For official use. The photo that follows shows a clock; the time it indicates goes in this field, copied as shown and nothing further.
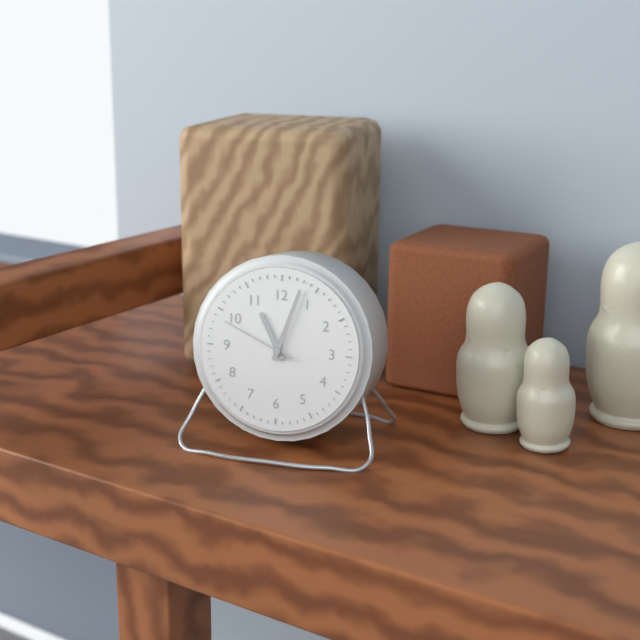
11:03:49
